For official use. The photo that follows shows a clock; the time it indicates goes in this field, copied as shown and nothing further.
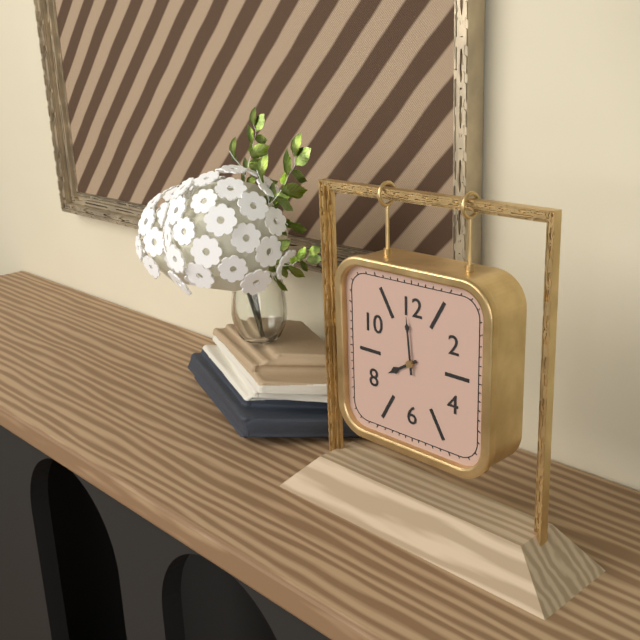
7:59
